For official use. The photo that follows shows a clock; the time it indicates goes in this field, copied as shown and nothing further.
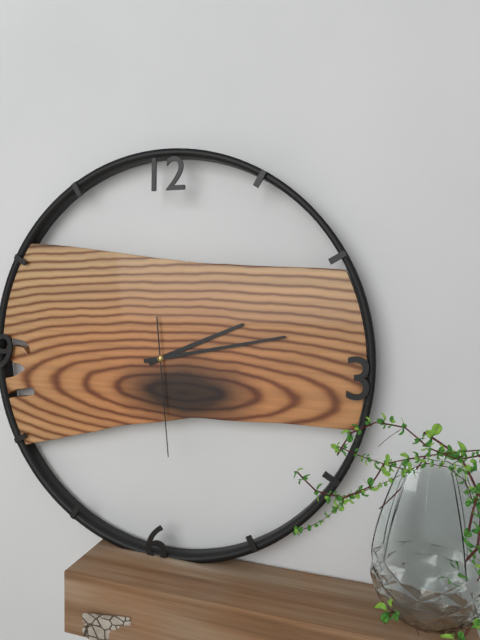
2:13:29
